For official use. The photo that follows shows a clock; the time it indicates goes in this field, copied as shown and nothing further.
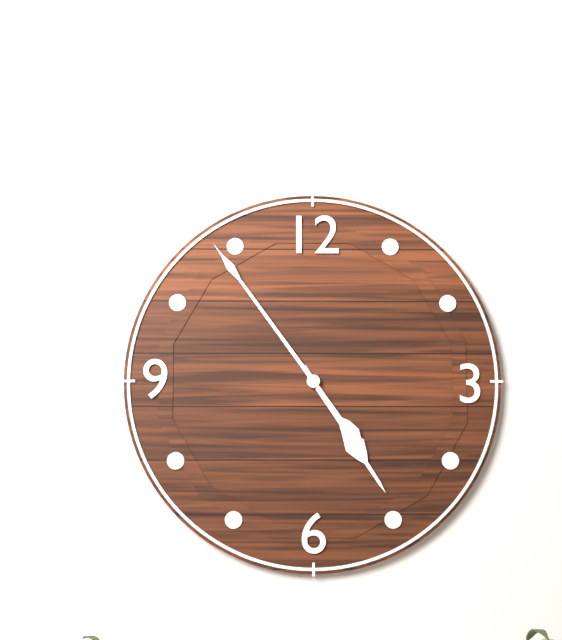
4:54
